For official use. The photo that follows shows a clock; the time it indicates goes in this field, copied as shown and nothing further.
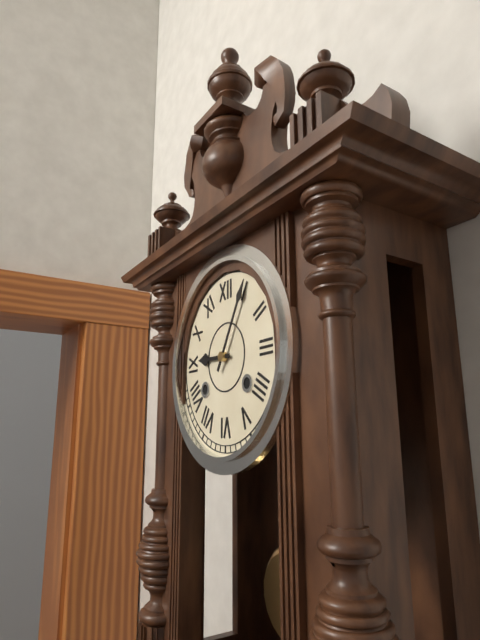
9:05
